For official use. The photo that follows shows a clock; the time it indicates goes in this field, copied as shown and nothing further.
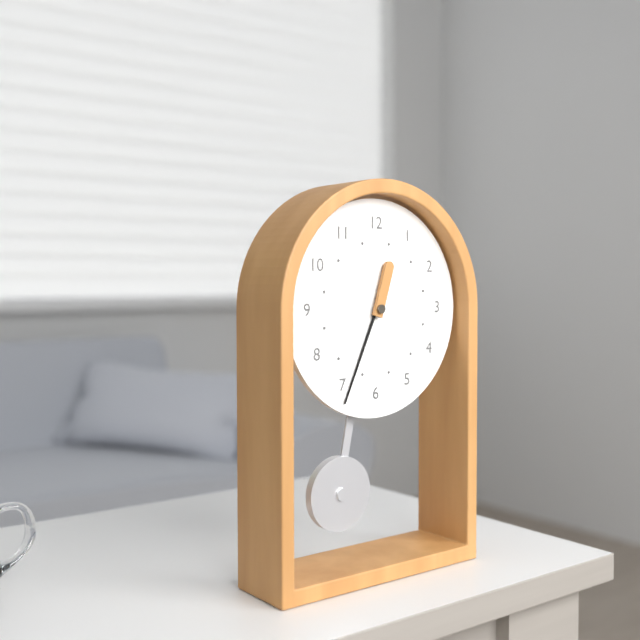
12:34
